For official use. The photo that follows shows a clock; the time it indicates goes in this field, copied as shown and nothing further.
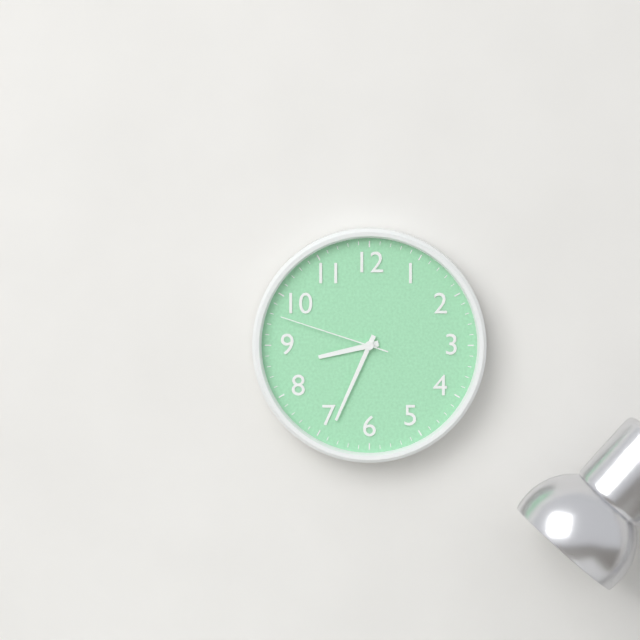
8:34:48
